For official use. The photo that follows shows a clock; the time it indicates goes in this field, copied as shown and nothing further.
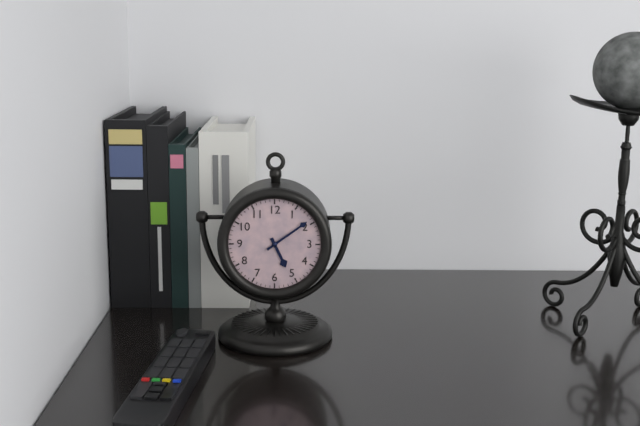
5:09
